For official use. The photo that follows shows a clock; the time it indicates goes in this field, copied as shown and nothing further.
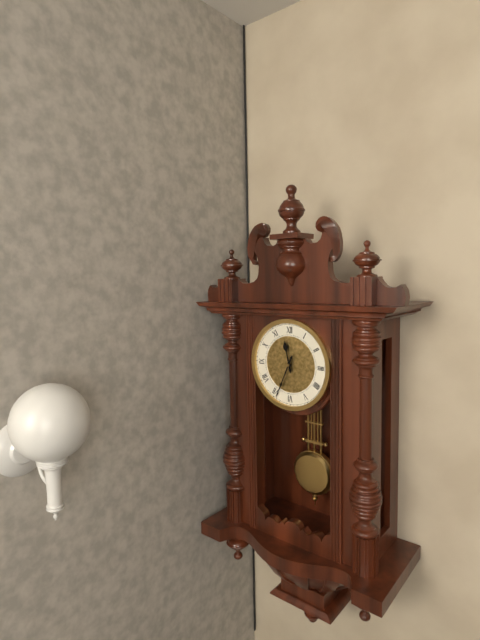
11:34
